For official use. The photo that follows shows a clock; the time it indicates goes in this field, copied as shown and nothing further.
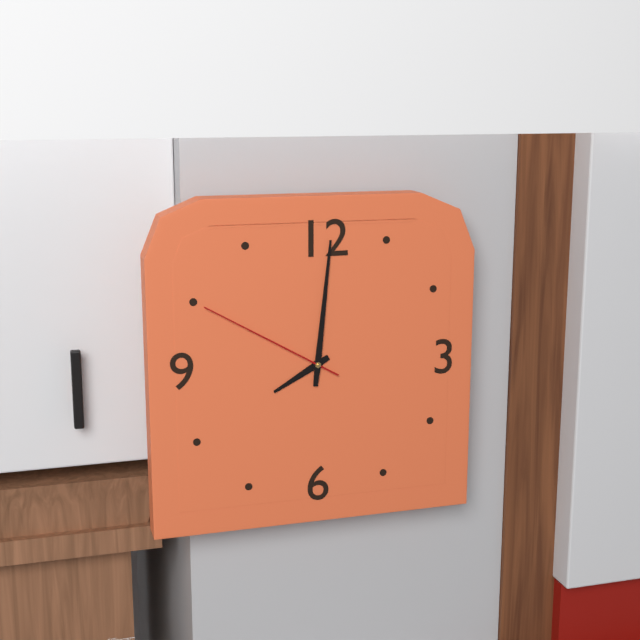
8:01:50
